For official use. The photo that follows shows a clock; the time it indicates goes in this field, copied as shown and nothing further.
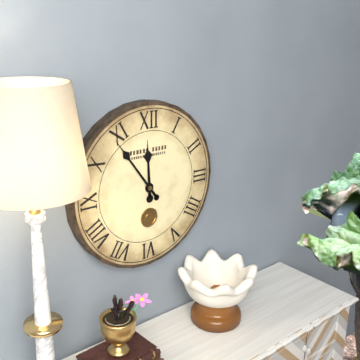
11:54
